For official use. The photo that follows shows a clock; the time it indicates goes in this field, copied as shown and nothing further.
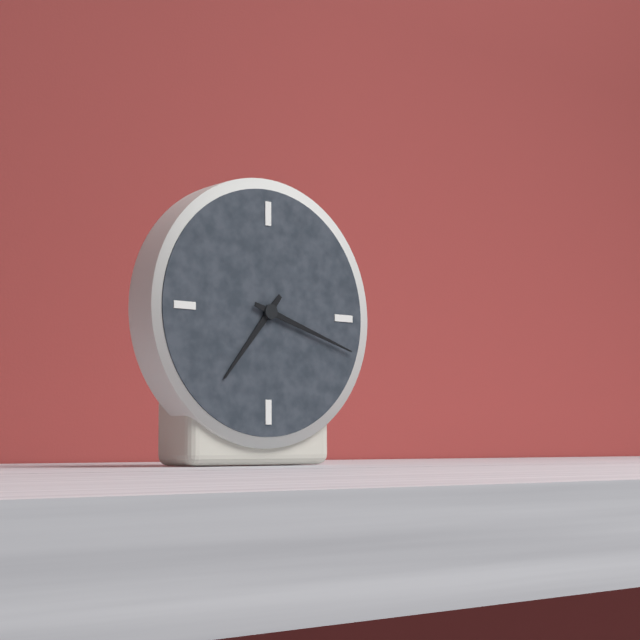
7:18
